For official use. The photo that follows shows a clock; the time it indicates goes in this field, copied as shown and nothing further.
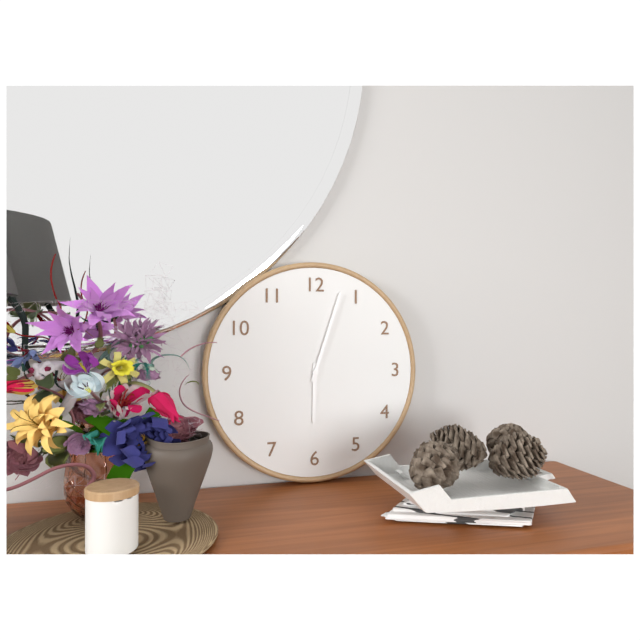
6:03
